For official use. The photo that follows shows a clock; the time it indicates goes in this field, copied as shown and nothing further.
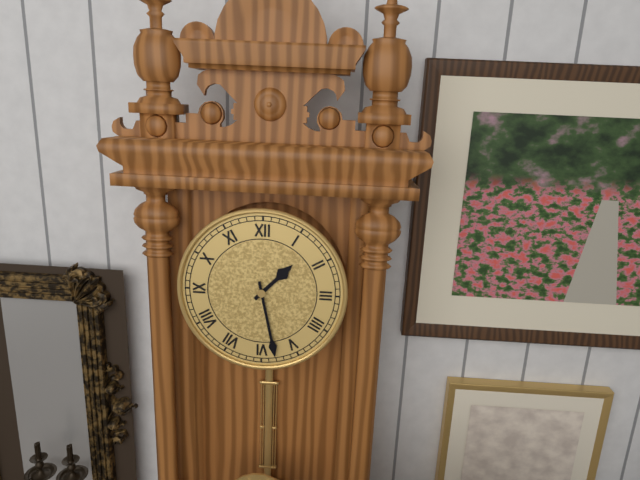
1:28
